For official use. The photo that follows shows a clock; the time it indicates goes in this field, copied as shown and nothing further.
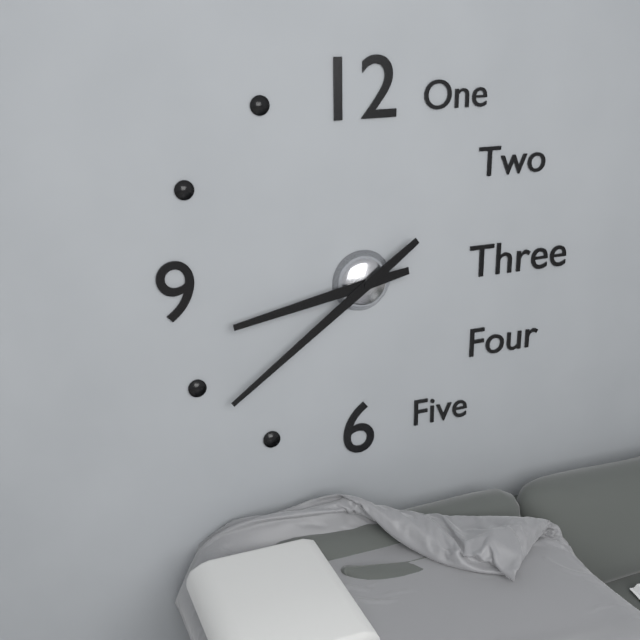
8:39
